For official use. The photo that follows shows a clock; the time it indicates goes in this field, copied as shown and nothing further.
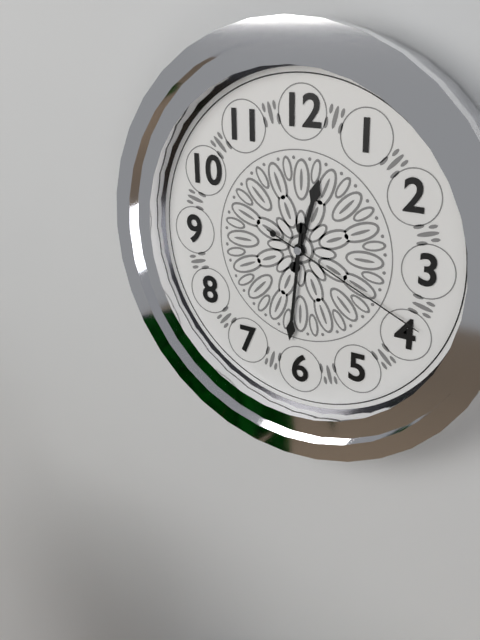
12:31:19
